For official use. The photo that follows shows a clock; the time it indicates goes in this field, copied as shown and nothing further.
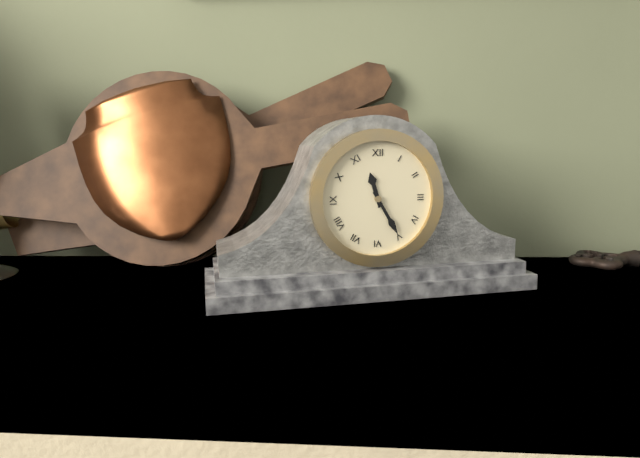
11:25
